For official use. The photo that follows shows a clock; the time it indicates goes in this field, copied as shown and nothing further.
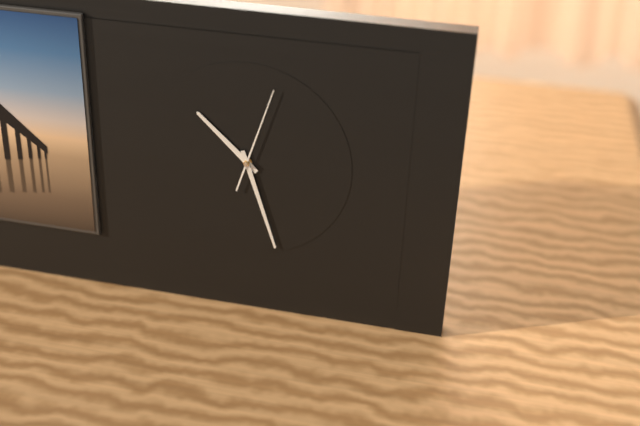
10:27:03
